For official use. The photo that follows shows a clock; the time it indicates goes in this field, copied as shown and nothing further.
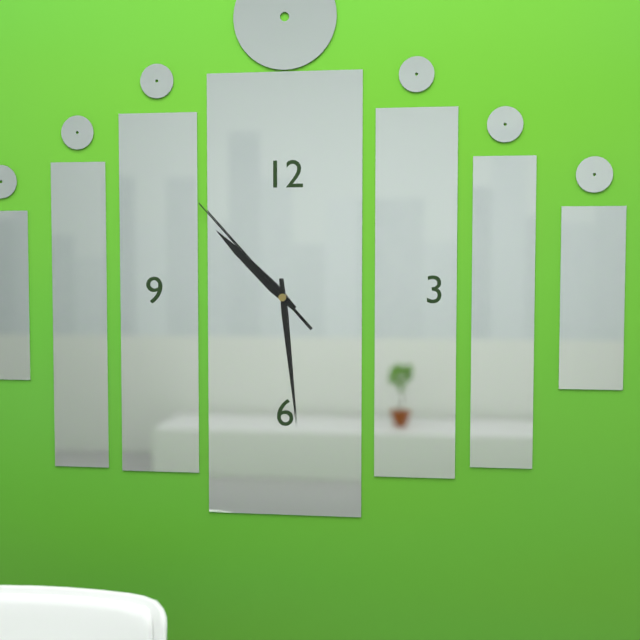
10:29:53
